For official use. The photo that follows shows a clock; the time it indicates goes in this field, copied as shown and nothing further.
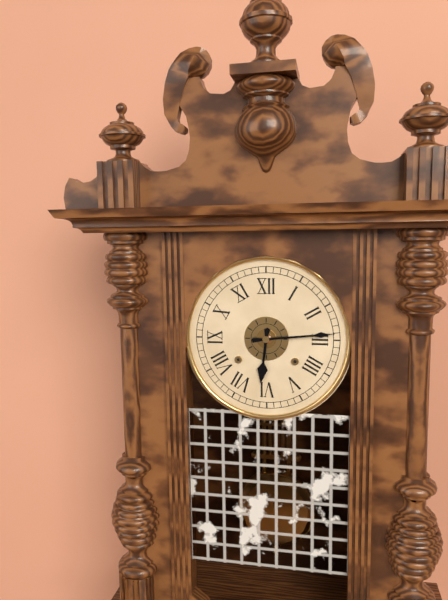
6:14
